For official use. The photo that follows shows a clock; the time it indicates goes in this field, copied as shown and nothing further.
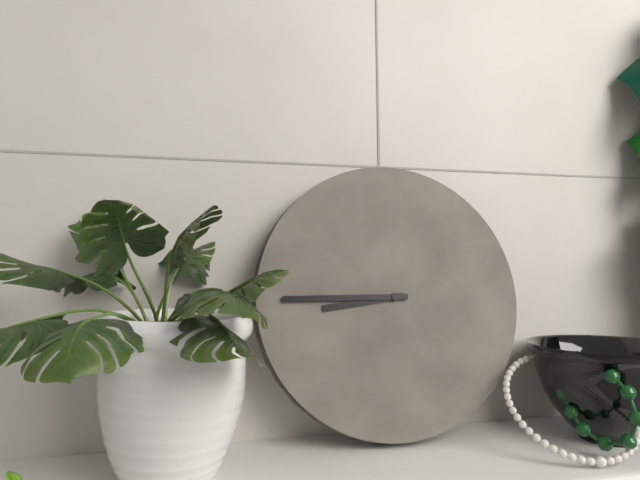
8:45
